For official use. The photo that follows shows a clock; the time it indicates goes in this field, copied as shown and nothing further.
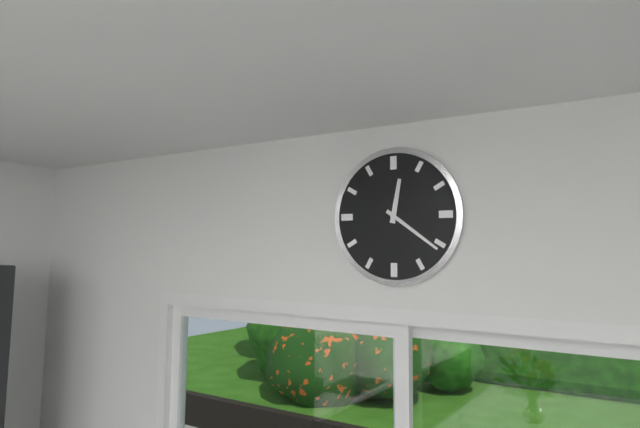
12:21
